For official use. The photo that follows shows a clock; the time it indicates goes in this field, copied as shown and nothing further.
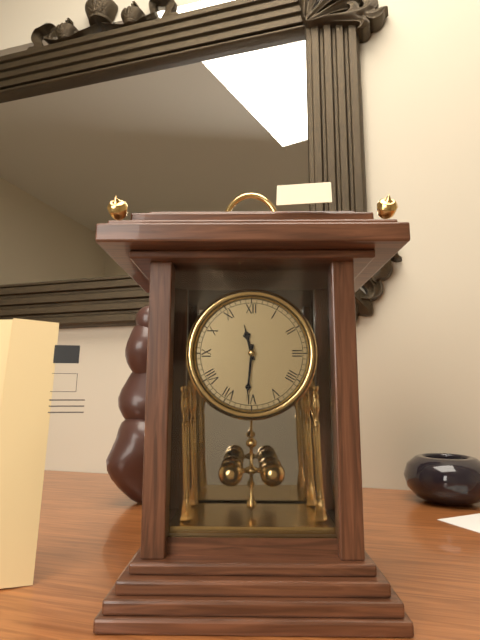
11:31
